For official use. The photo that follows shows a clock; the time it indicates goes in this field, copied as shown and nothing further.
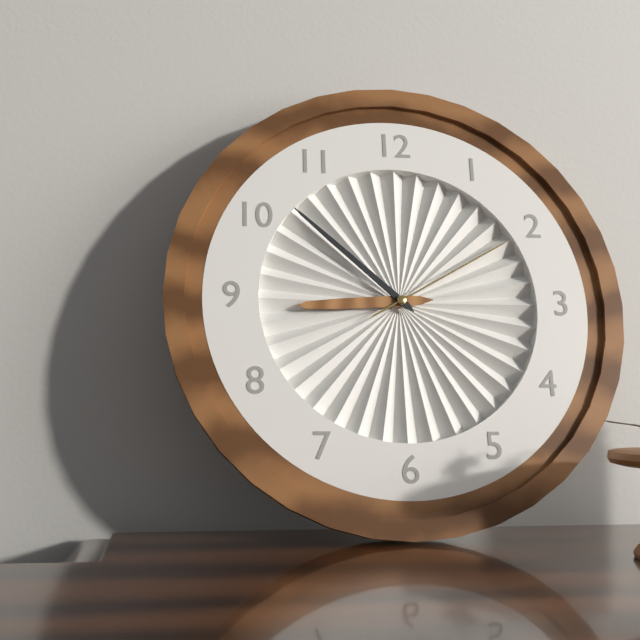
8:52:10
